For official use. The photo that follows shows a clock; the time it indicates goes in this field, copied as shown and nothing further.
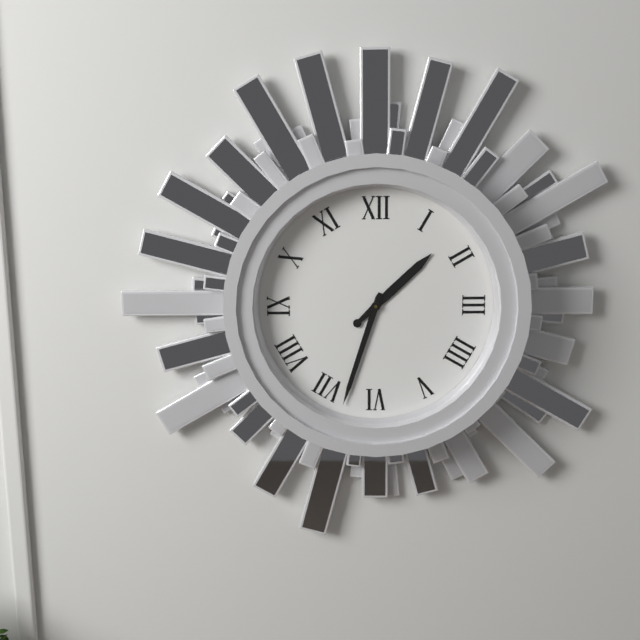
1:33
